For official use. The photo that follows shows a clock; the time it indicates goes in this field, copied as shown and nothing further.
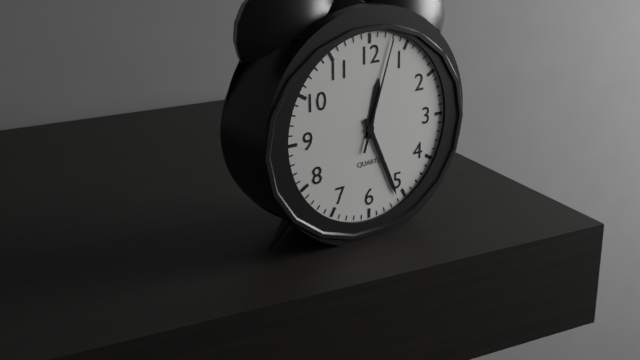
12:26:03
